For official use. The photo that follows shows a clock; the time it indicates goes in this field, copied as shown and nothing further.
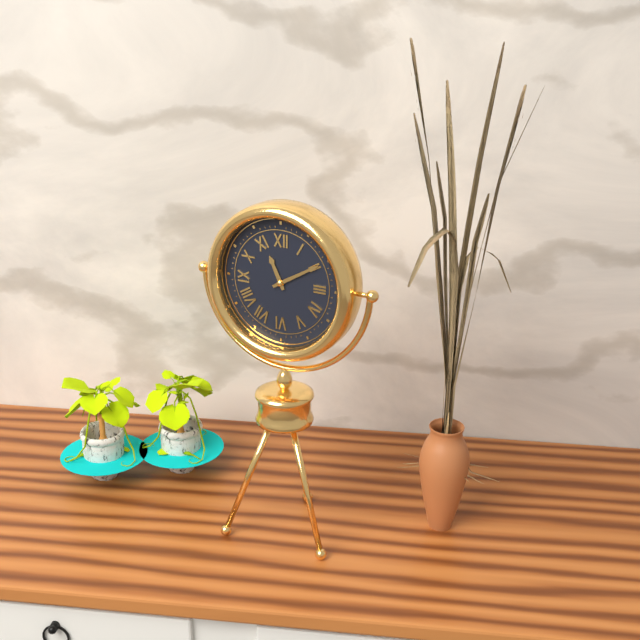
11:10
